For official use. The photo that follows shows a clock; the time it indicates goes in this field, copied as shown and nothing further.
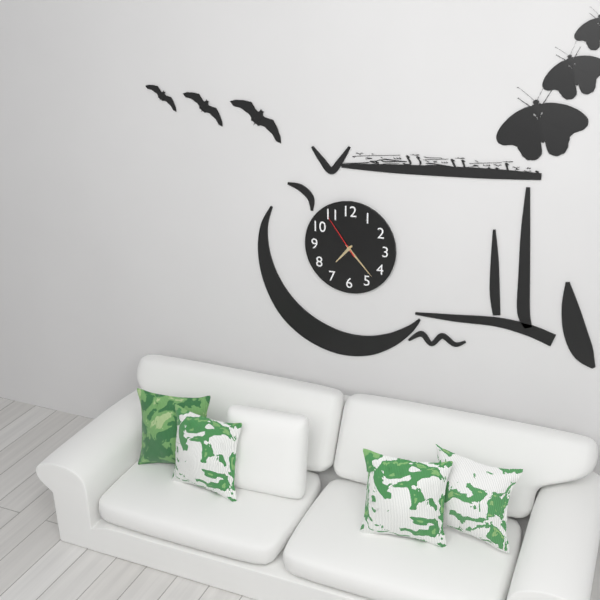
7:23
